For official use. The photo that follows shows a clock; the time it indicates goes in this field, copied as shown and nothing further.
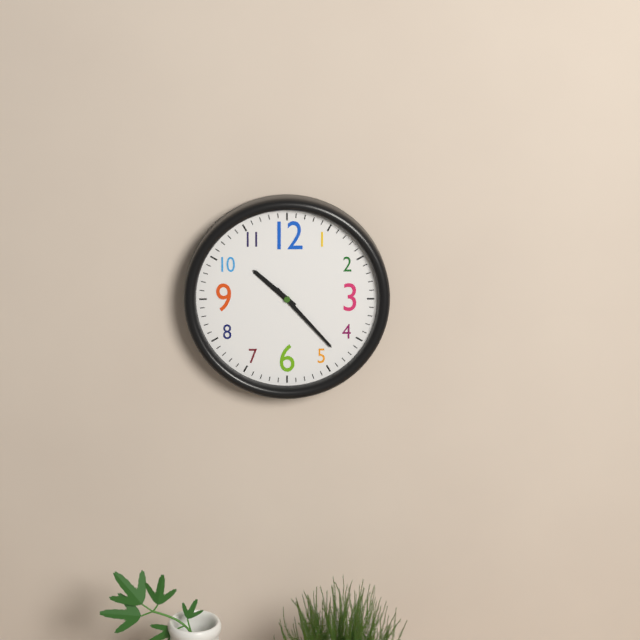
10:23
